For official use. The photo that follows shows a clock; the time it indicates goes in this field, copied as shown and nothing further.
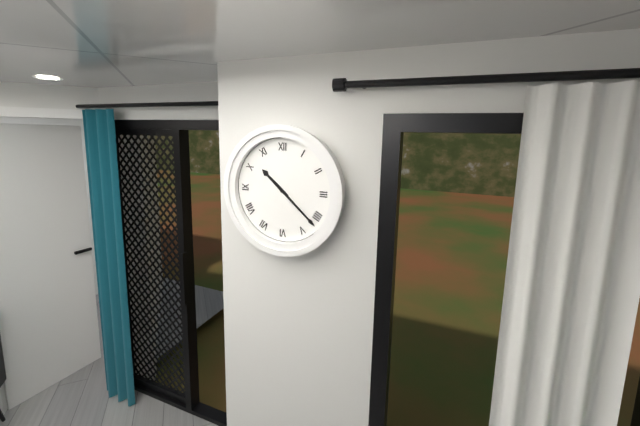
10:22
